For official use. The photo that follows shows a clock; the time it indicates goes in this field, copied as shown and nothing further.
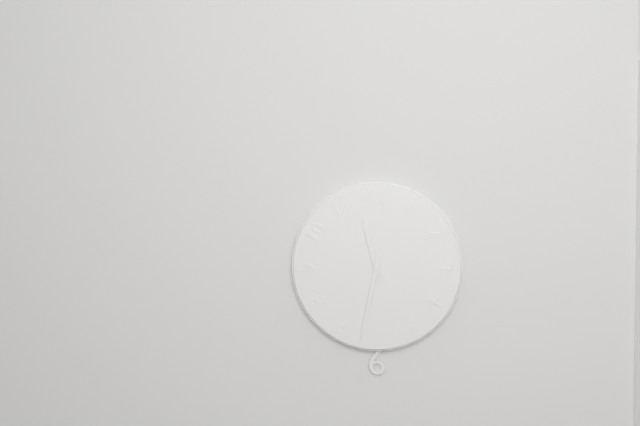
11:32
